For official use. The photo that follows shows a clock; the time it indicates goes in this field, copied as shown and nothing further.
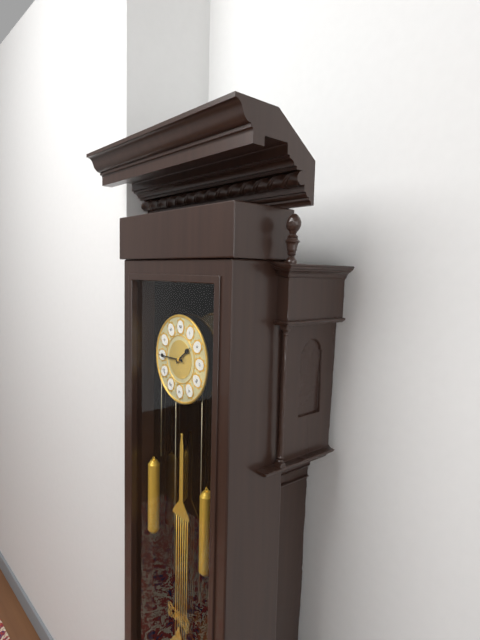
1:45
